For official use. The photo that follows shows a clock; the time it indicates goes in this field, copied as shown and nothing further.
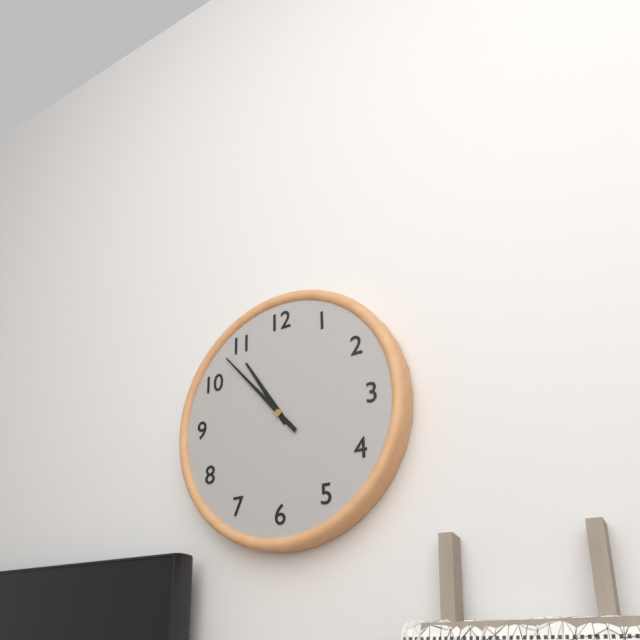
10:53
